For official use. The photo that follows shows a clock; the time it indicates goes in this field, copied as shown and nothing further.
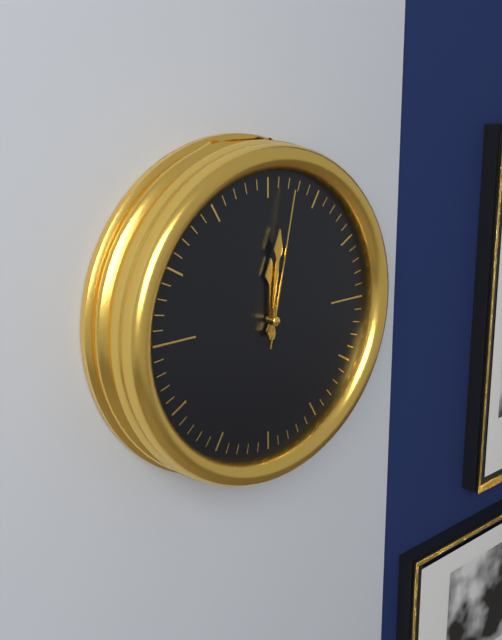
12:01:02
